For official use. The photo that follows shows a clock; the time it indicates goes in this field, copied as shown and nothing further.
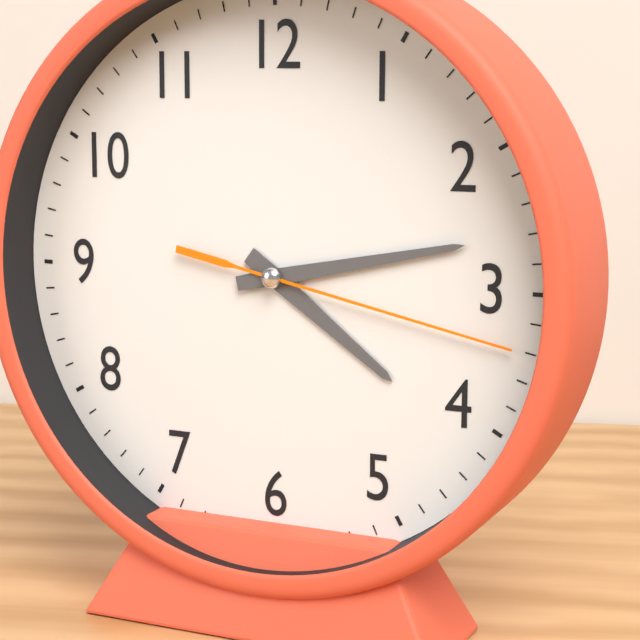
4:13:17
